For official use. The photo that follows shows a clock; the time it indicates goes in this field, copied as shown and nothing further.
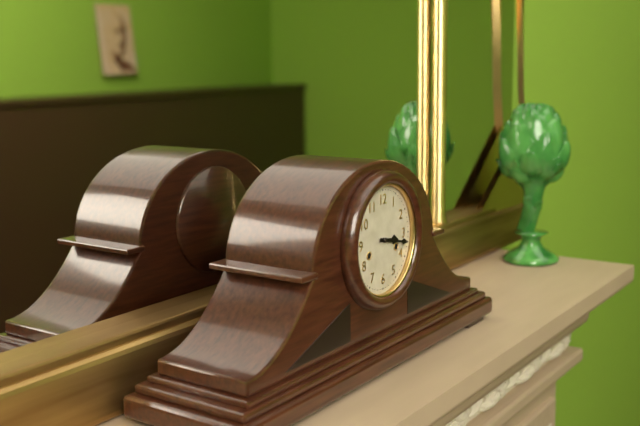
3:17
